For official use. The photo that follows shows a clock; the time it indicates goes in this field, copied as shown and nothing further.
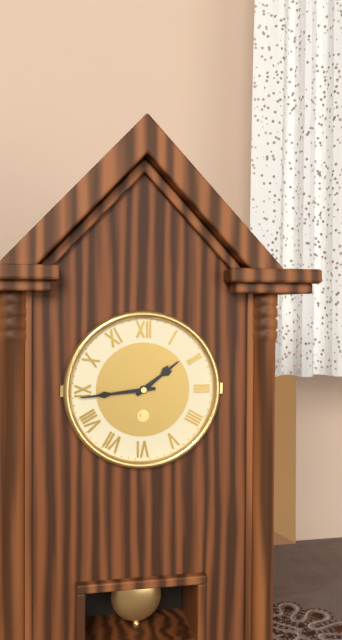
1:44
